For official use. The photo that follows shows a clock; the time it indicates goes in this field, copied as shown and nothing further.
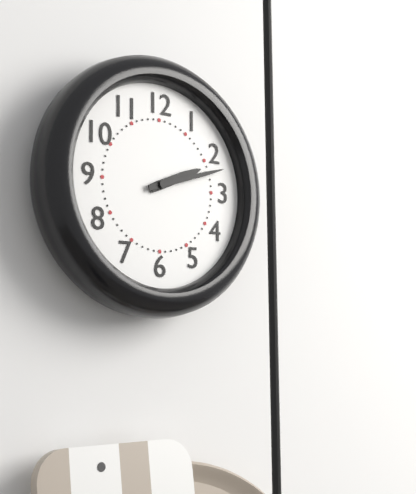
2:12
